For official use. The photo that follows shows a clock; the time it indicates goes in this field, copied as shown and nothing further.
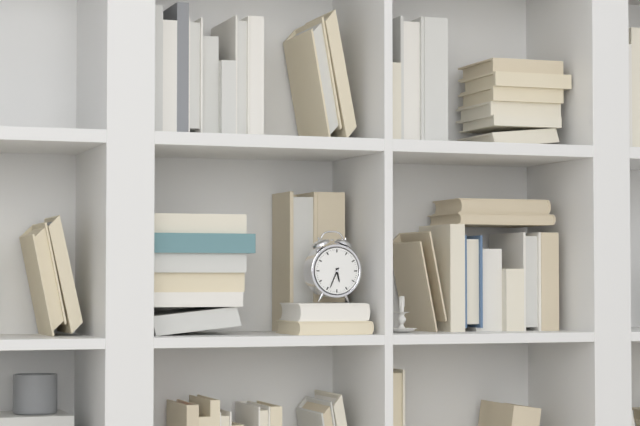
5:34
